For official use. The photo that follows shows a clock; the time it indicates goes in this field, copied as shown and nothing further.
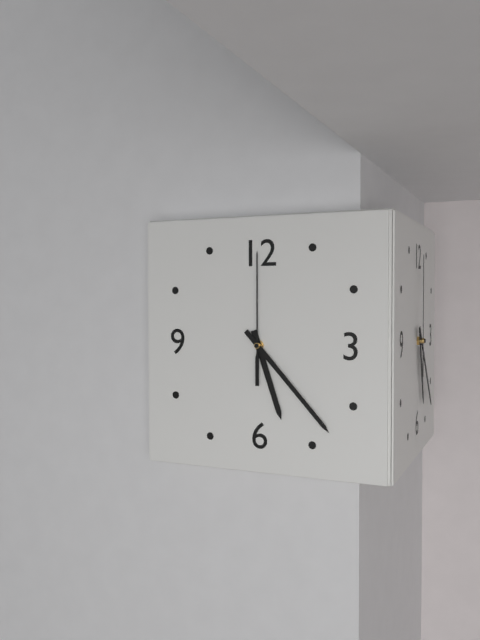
5:23:00
